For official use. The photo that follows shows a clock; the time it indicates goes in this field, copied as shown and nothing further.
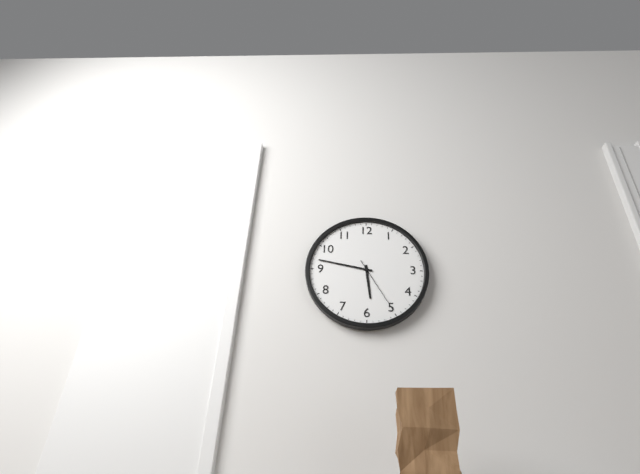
5:47:25
